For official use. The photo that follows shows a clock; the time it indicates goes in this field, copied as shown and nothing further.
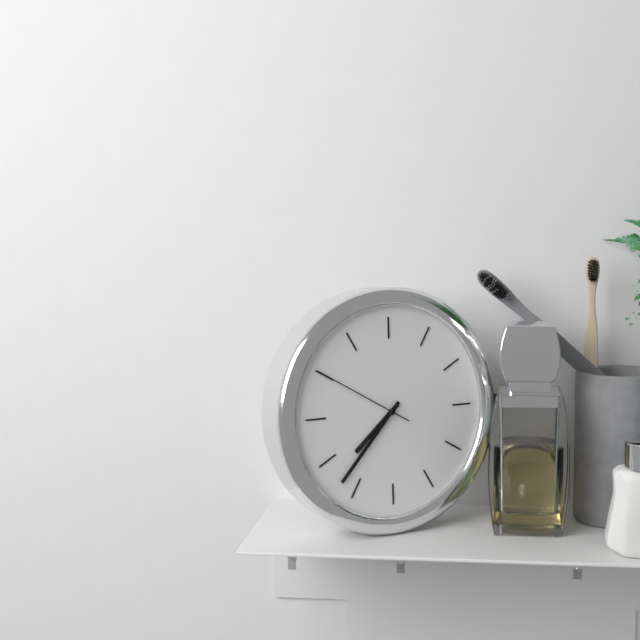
7:37:50
